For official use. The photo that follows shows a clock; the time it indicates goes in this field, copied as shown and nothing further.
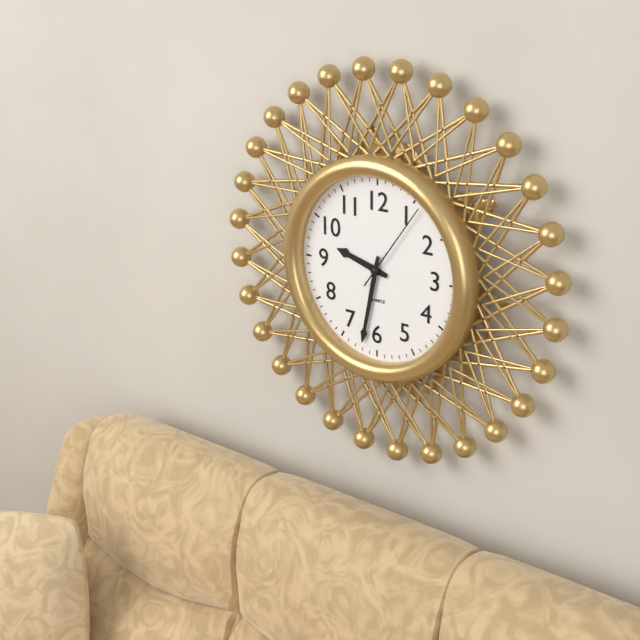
9:32:06
